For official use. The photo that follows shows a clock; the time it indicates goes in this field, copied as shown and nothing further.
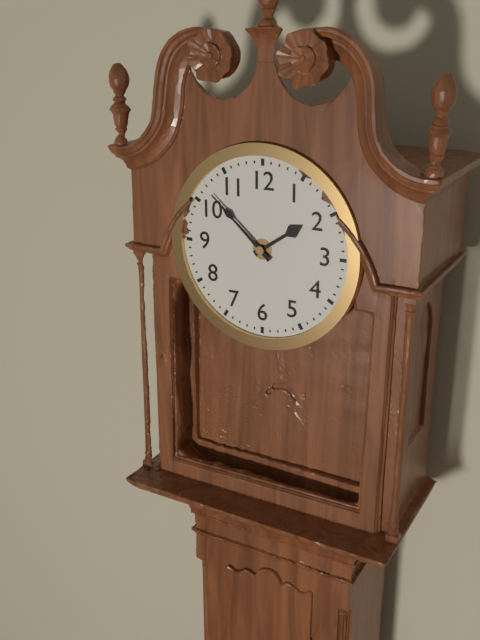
1:52
